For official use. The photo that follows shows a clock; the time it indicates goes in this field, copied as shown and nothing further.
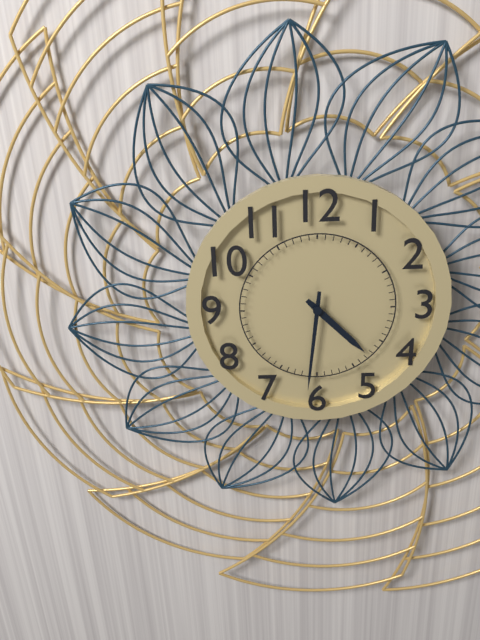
4:31
